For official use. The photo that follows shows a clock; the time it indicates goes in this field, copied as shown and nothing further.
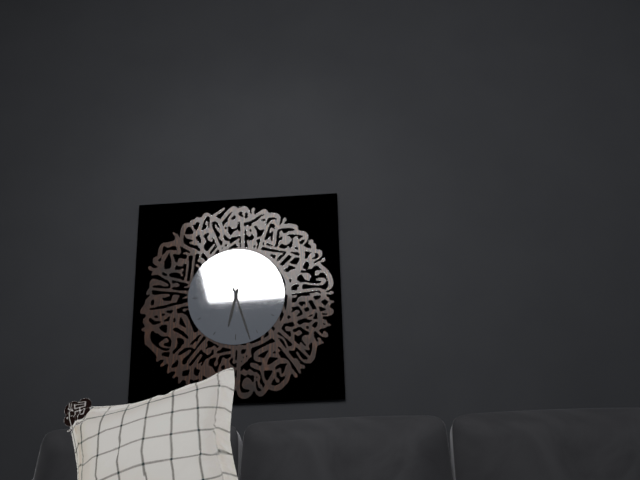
6:27
